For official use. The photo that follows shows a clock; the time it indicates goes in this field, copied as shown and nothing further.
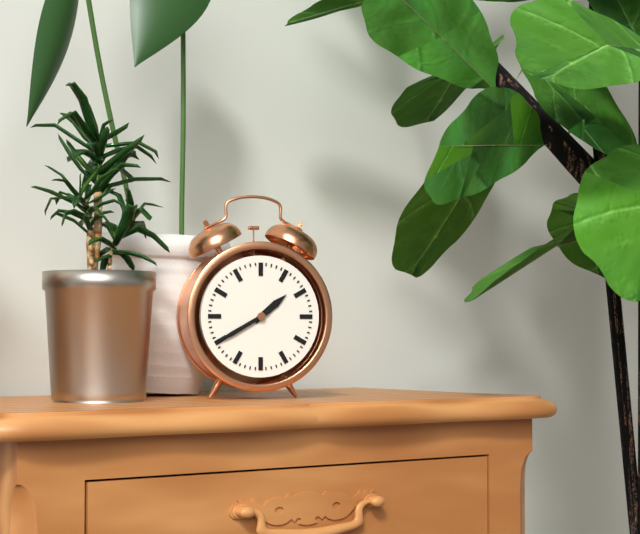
1:40
